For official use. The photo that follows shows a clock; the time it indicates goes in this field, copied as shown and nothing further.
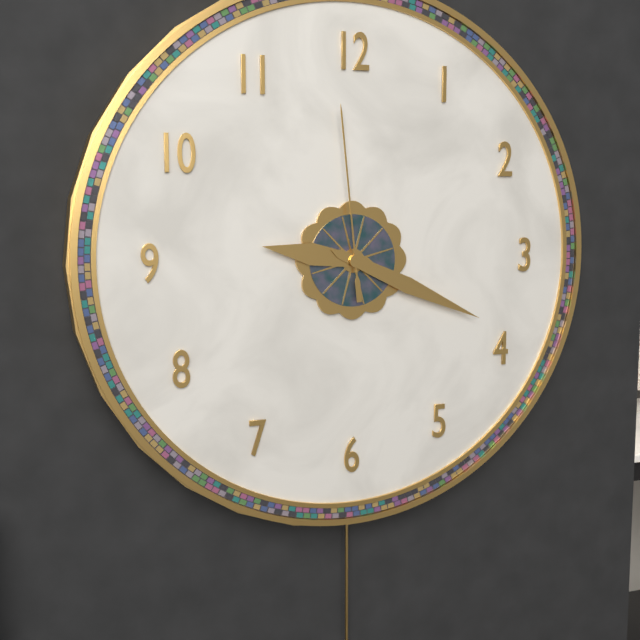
9:19:59
